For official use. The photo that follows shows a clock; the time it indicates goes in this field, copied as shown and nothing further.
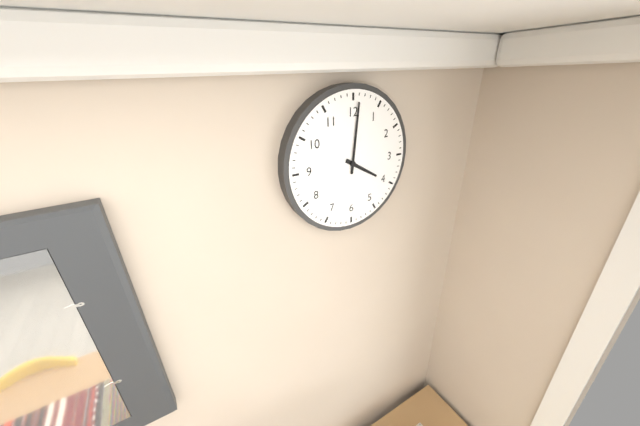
4:01
